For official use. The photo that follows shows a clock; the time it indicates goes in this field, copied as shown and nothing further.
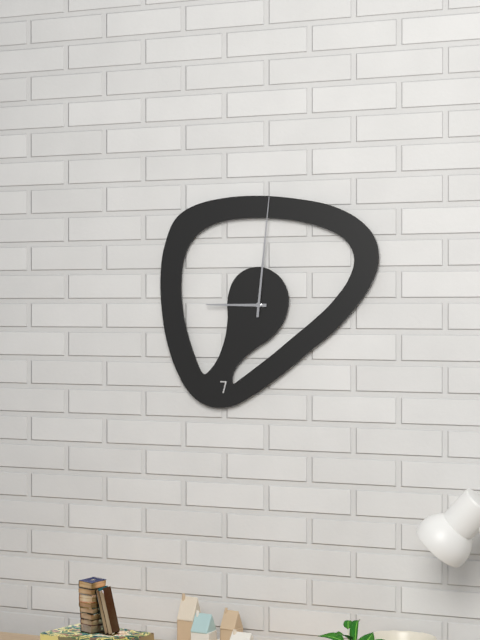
9:01
